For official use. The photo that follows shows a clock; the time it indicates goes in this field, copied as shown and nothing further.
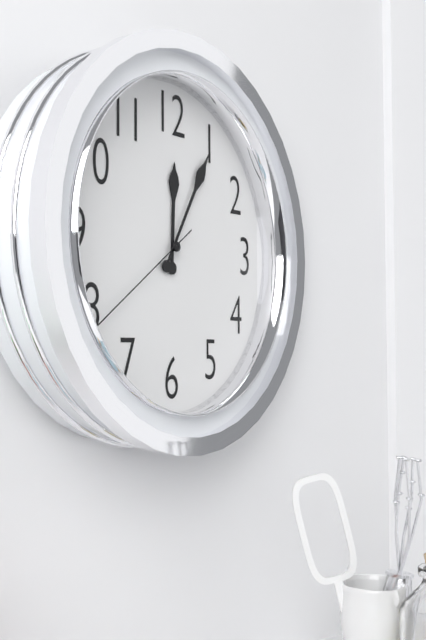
12:05:39
